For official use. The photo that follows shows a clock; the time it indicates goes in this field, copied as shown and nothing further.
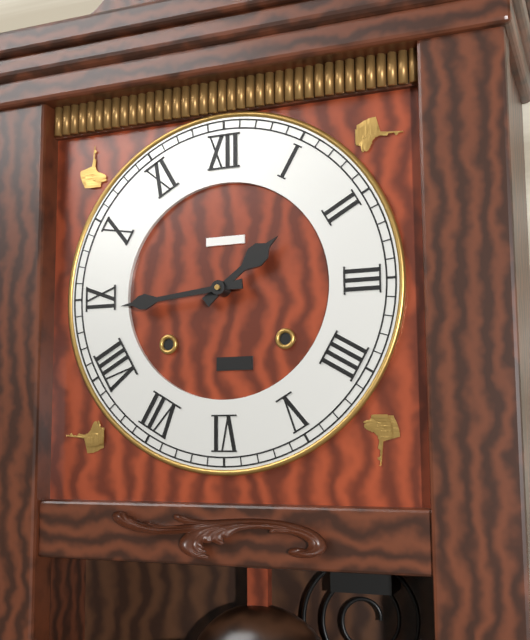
1:44
